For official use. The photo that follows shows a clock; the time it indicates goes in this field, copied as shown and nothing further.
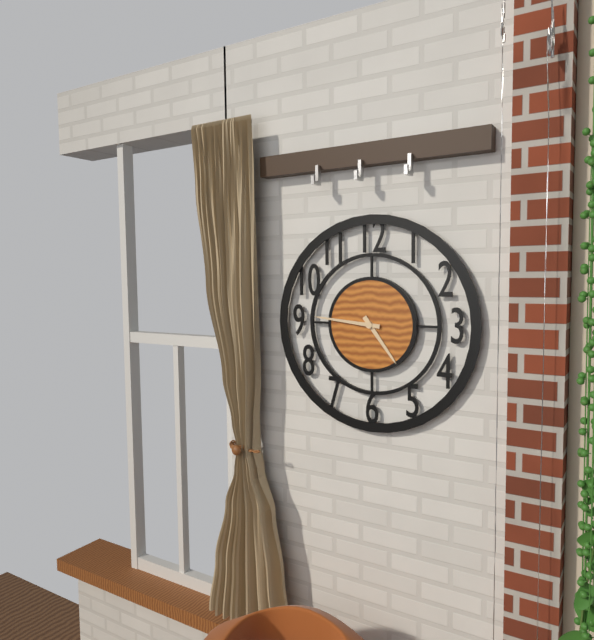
4:46
